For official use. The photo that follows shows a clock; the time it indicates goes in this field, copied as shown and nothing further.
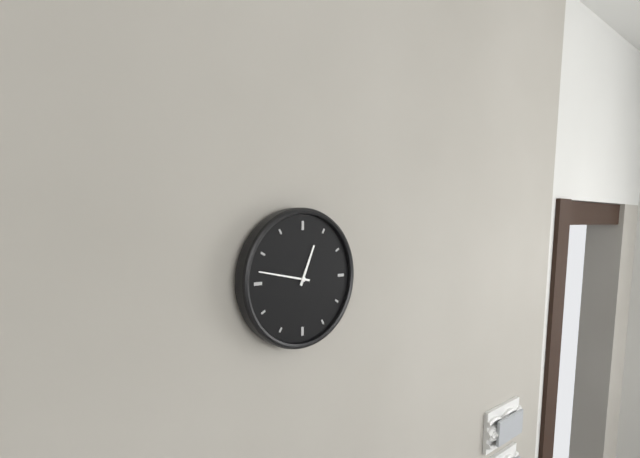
12:47
